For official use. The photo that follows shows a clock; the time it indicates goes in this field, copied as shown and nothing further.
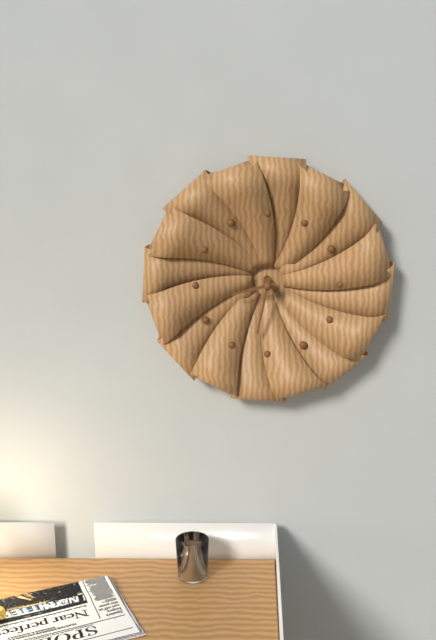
8:32
